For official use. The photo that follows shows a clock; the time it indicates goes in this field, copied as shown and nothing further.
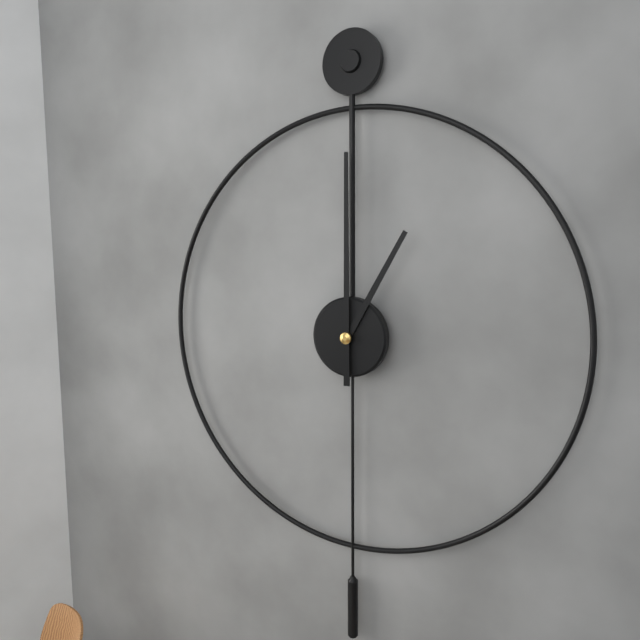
1:00
